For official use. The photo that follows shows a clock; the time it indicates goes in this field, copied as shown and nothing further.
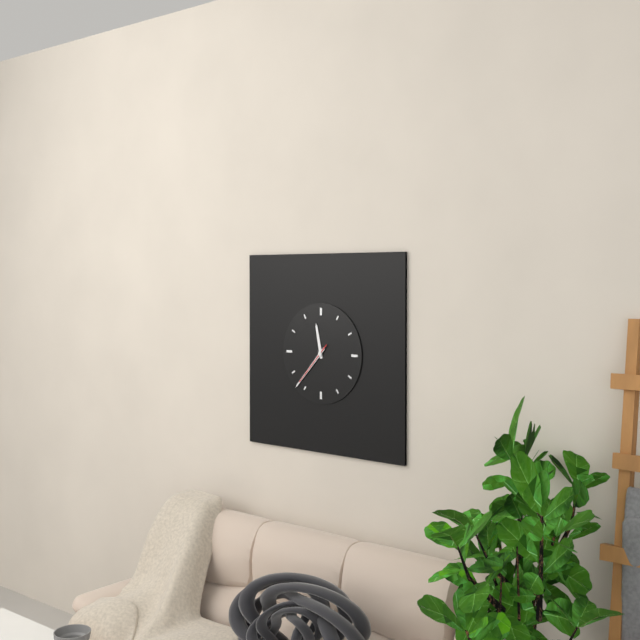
11:37
